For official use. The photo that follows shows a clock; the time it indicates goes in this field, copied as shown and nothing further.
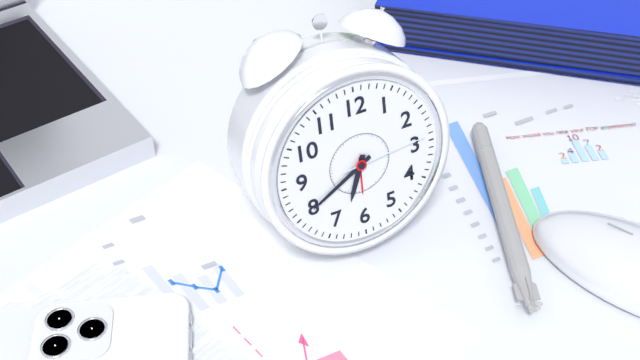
6:40:14
